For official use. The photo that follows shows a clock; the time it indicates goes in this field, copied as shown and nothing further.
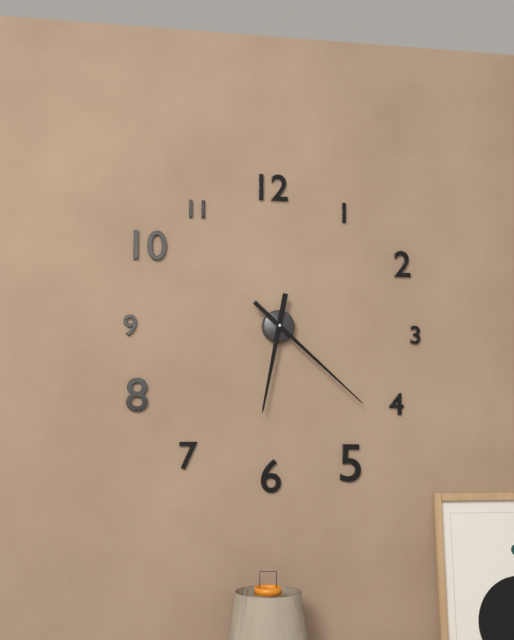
6:22
